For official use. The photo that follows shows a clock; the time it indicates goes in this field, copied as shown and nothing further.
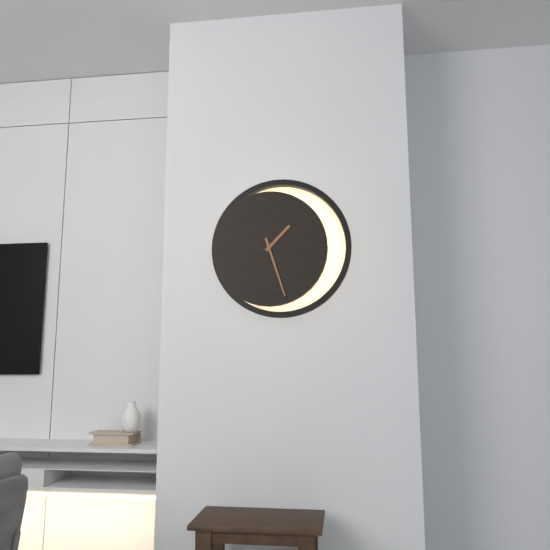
1:27
